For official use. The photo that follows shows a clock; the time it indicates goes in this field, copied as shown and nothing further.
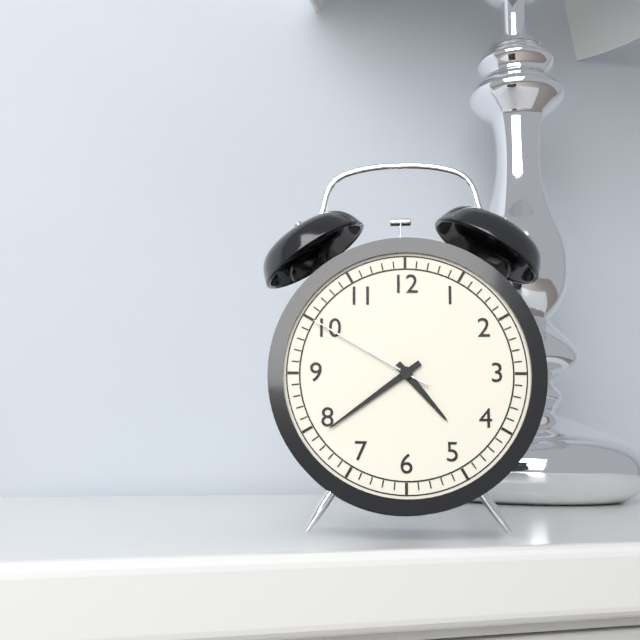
4:39:50
